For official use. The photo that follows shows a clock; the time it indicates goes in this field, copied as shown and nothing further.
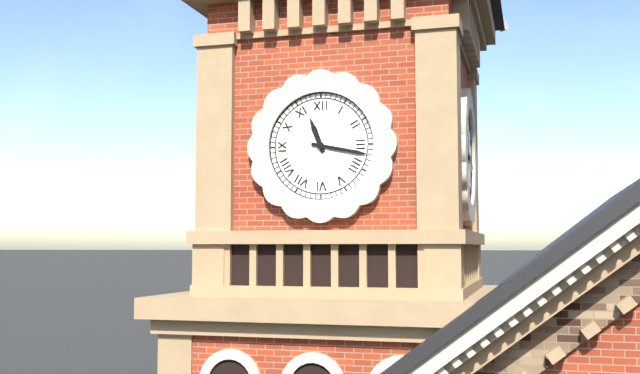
11:17
